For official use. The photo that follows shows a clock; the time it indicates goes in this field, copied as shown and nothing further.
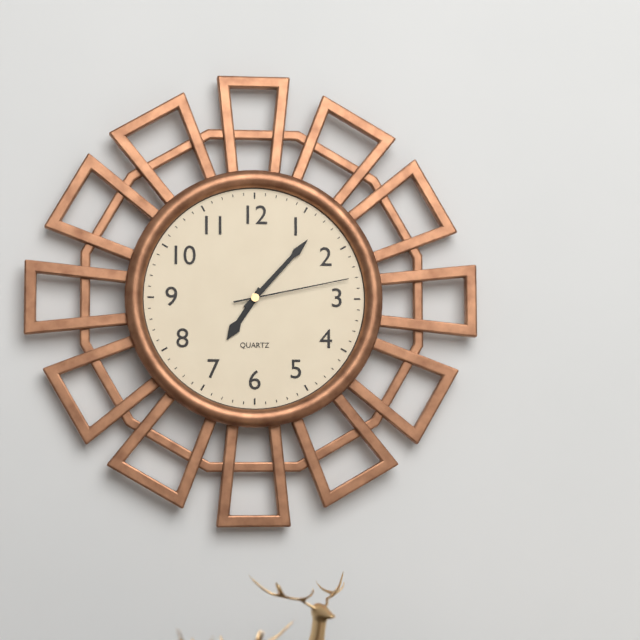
7:07:13
